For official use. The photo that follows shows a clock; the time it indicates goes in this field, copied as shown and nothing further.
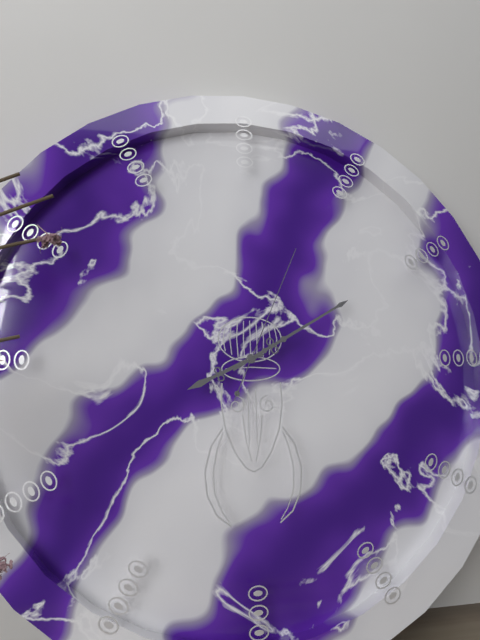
8:10:04
